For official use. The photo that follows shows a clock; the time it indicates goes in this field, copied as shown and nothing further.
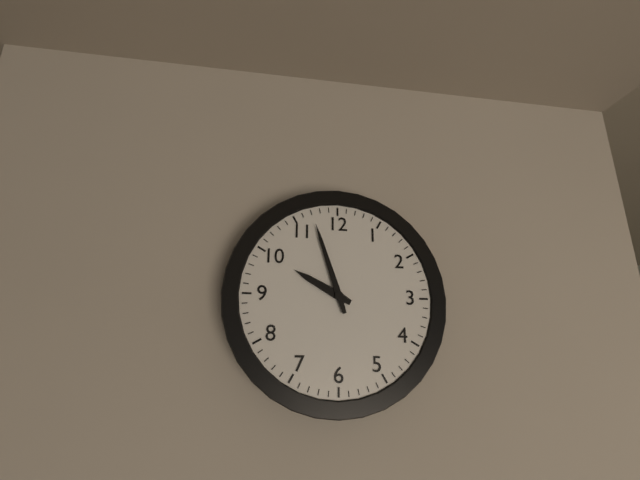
9:57
